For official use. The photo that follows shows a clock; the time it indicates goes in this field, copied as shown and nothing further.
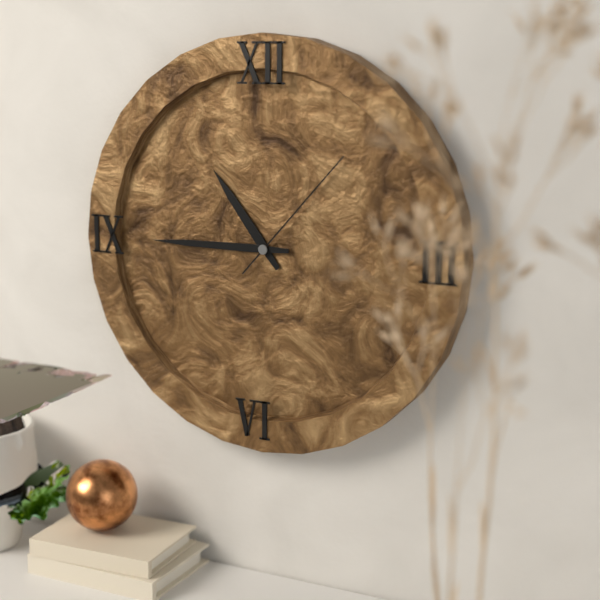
10:45:07
